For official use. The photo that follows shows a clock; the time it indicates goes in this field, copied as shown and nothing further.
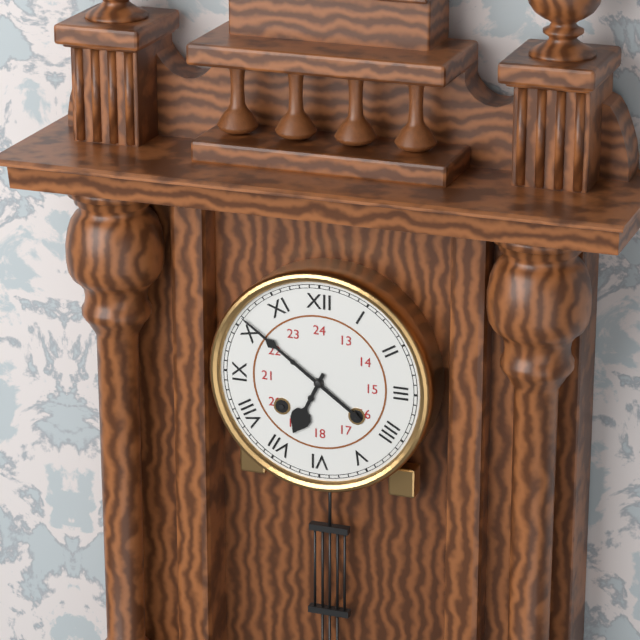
6:51
